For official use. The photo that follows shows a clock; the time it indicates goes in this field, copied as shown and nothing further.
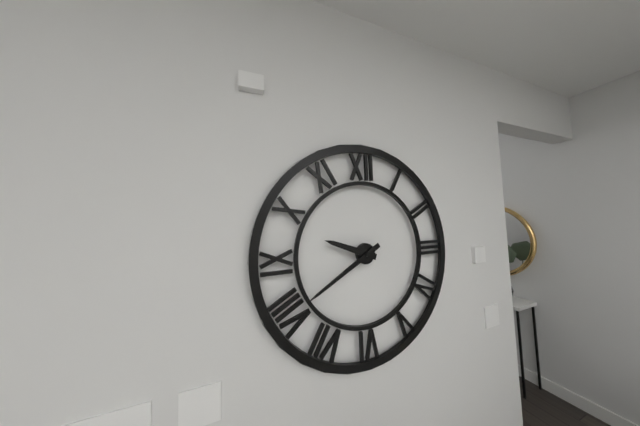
9:40
